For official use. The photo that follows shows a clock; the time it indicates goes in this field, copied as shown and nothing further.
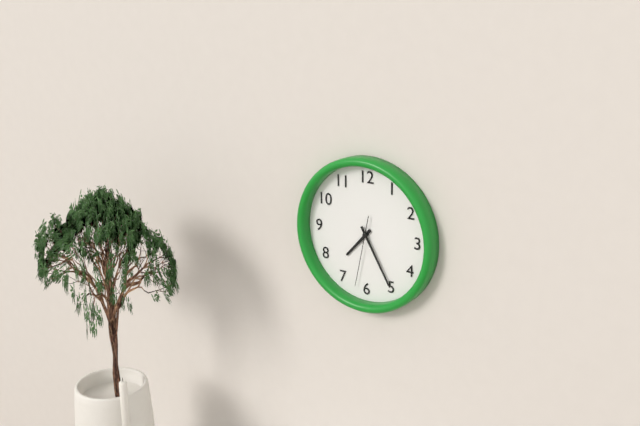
7:25:32
